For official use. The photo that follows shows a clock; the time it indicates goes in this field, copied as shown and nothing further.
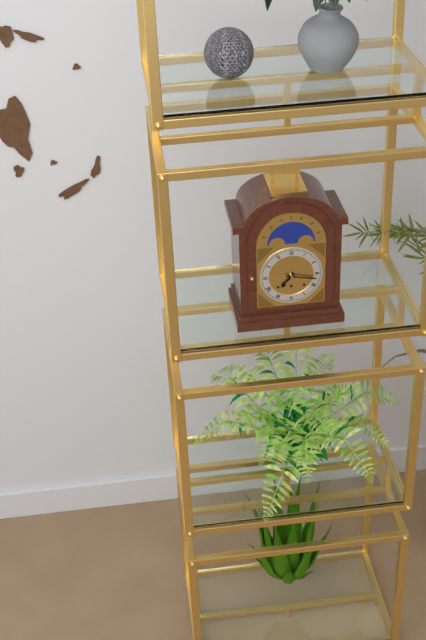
7:17
